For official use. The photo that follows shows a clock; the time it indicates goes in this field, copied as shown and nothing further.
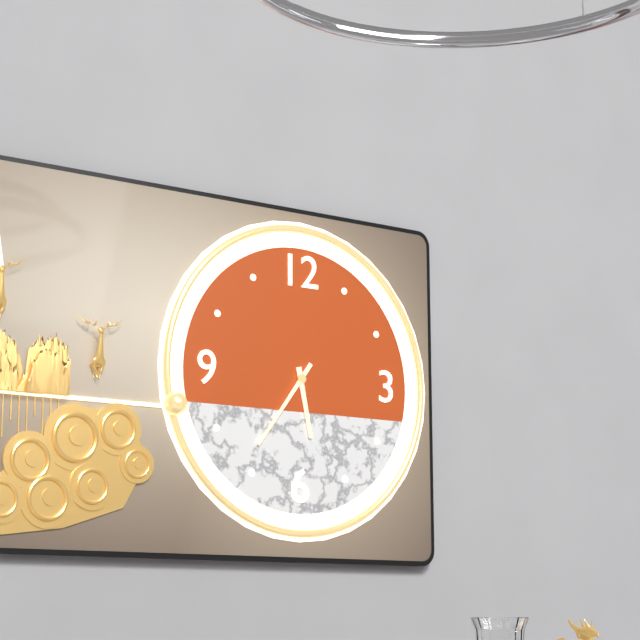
5:36
